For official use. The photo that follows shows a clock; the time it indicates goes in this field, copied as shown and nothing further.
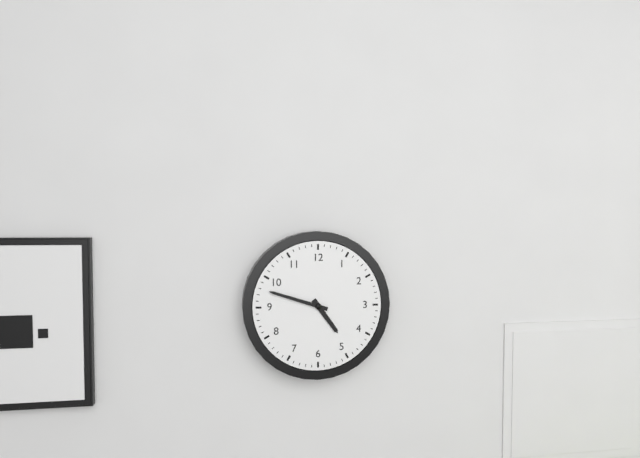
4:48
